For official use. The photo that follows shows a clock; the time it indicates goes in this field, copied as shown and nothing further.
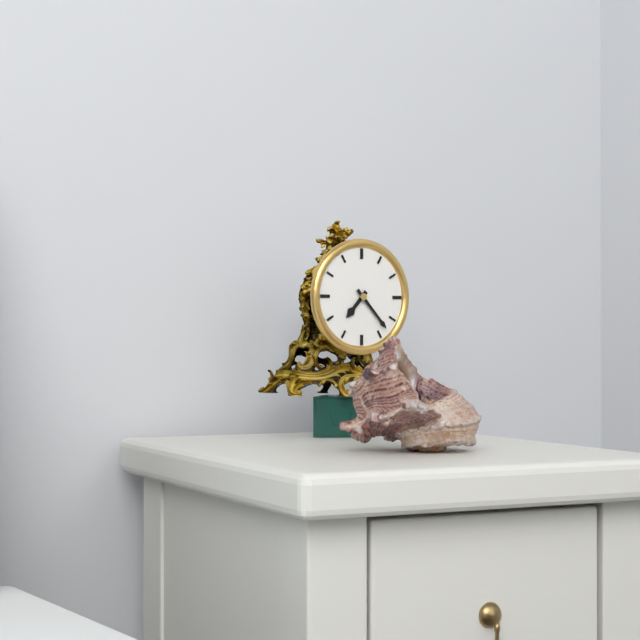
7:23
